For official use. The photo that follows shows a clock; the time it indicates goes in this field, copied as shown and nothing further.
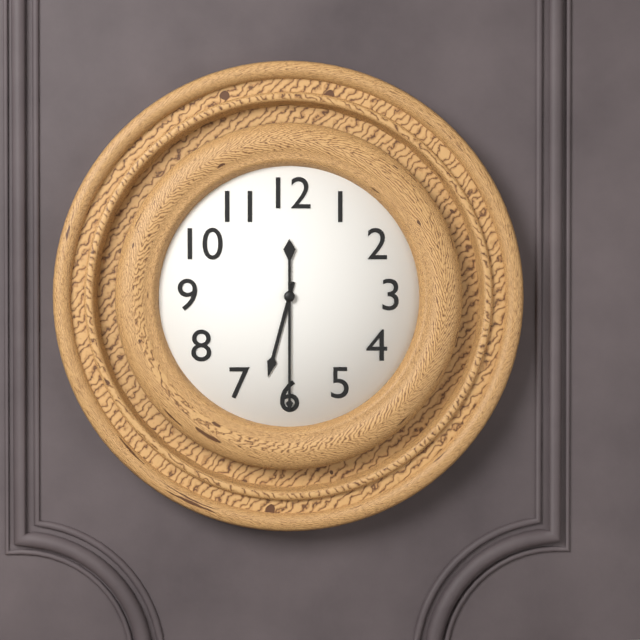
6:30
